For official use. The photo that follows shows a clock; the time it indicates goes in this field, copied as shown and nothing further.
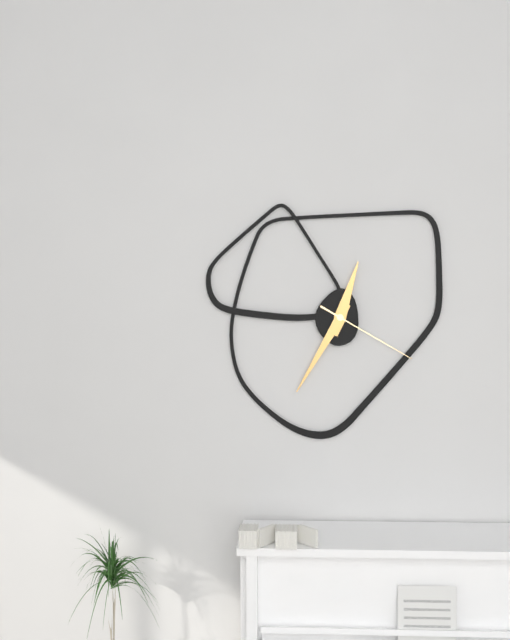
12:35:20
